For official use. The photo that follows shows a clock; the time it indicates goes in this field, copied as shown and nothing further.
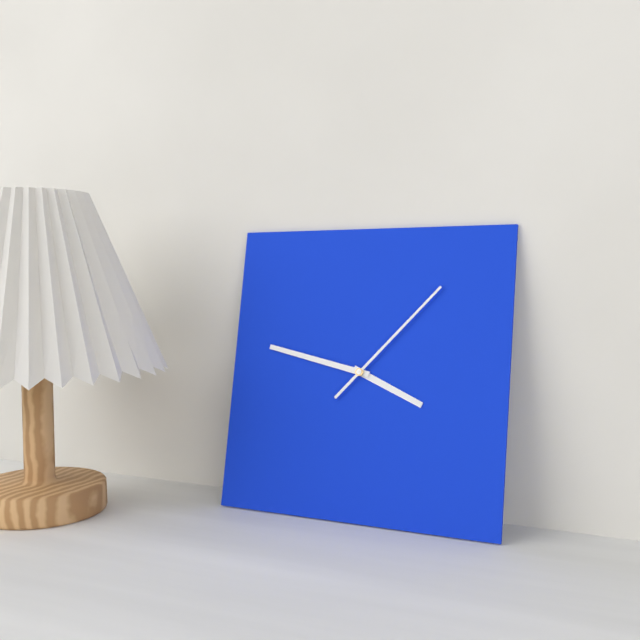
3:47:07
